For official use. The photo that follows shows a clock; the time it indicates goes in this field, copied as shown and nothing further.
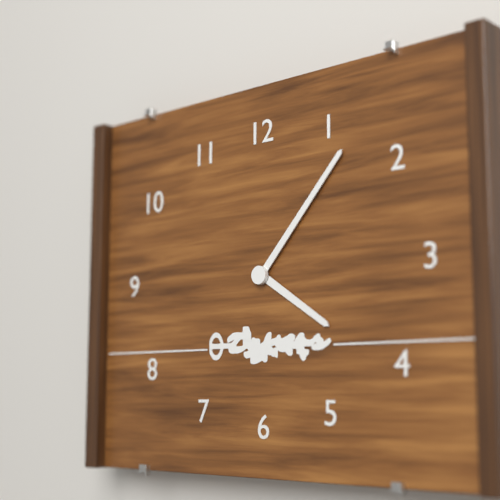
4:07
